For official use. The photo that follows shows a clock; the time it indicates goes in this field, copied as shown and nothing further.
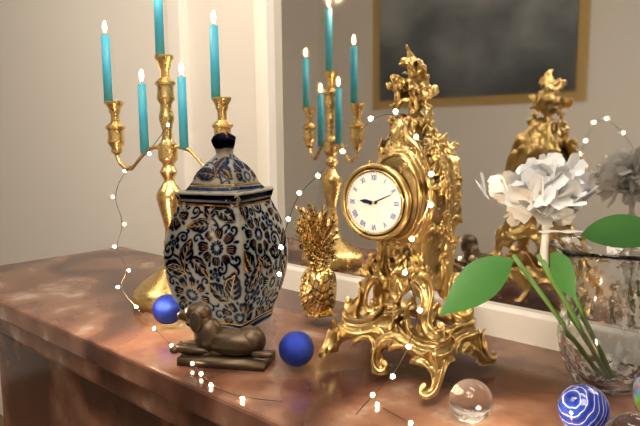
9:11
